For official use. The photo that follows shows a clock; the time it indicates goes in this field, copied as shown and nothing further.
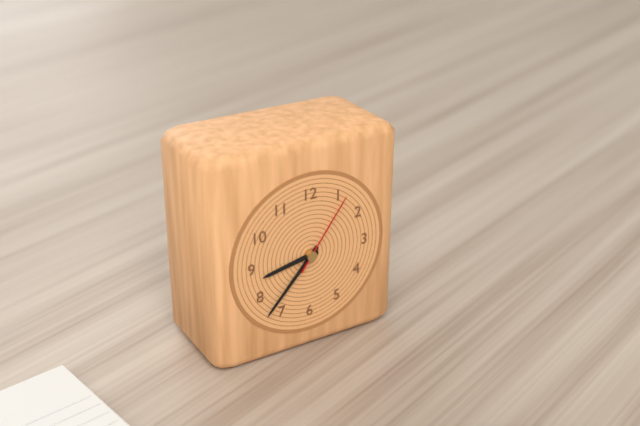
8:37:06
